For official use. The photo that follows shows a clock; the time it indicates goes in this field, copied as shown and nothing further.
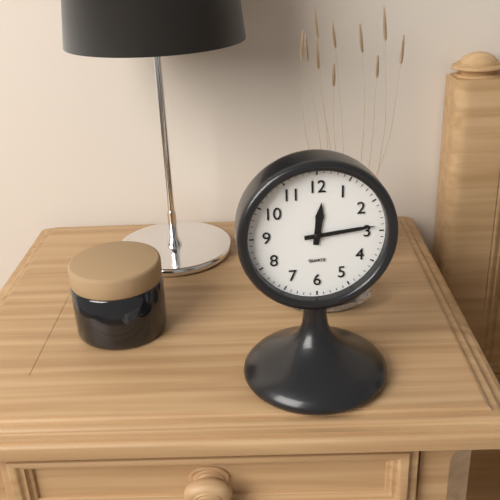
12:14
